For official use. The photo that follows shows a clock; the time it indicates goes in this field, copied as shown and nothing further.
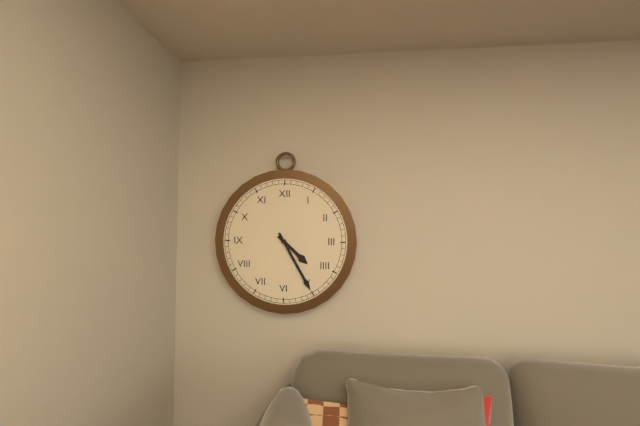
4:25
